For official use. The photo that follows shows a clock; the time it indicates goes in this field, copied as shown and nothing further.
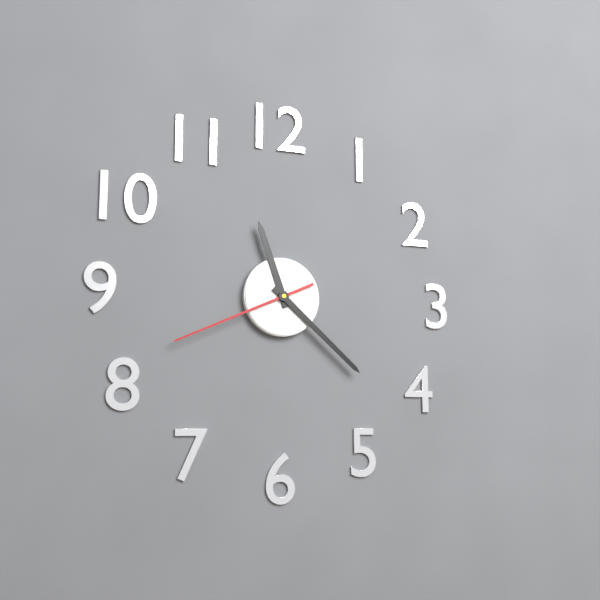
11:22:41
